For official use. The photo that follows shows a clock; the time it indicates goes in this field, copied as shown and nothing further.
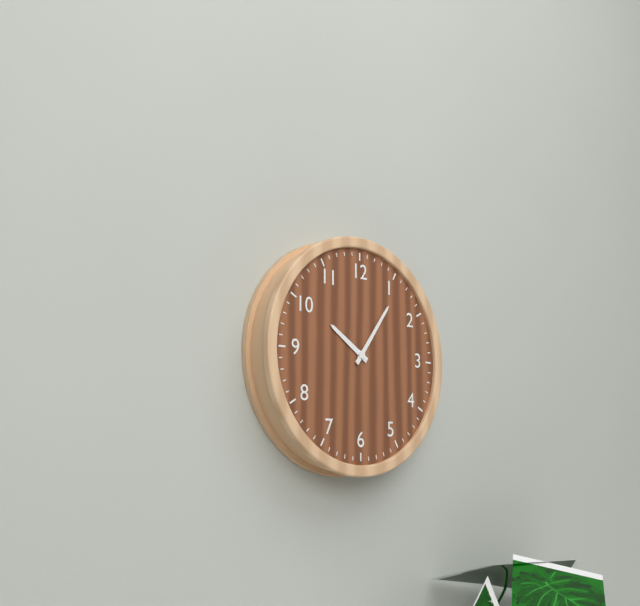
10:06
